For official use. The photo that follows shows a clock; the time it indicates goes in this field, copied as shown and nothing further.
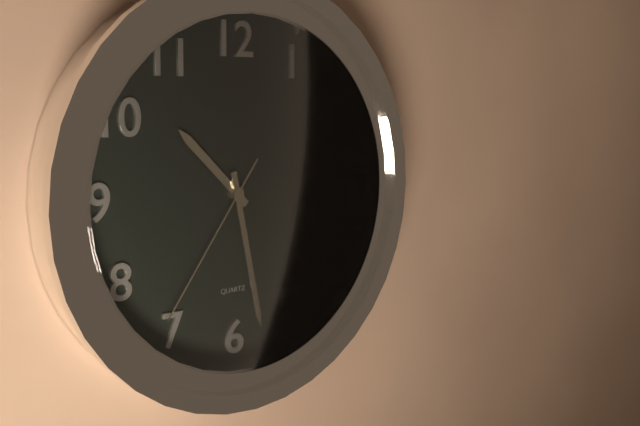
10:28:36
